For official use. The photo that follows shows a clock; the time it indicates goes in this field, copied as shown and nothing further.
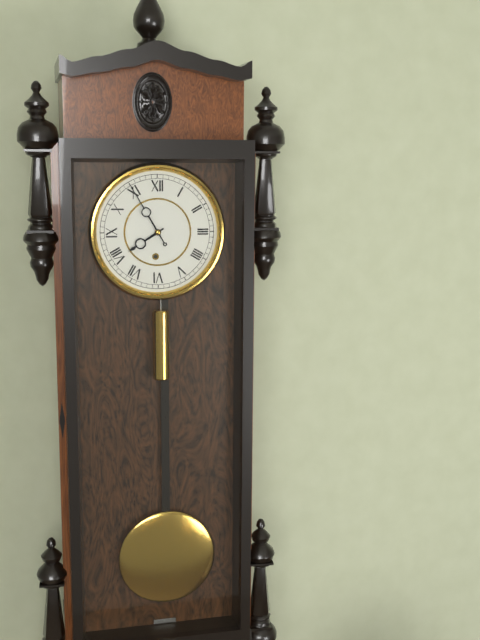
7:55
